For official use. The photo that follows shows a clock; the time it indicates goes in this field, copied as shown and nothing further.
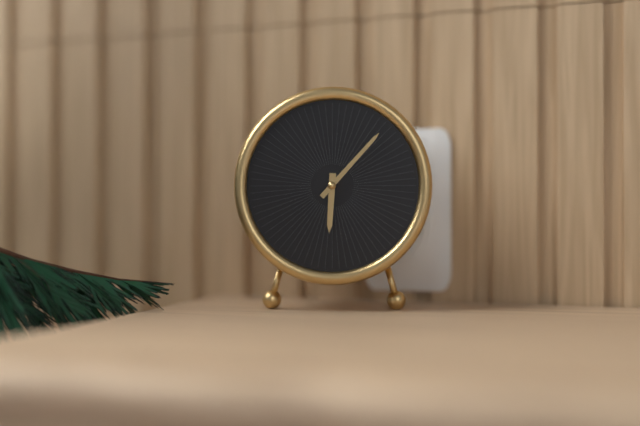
6:07
